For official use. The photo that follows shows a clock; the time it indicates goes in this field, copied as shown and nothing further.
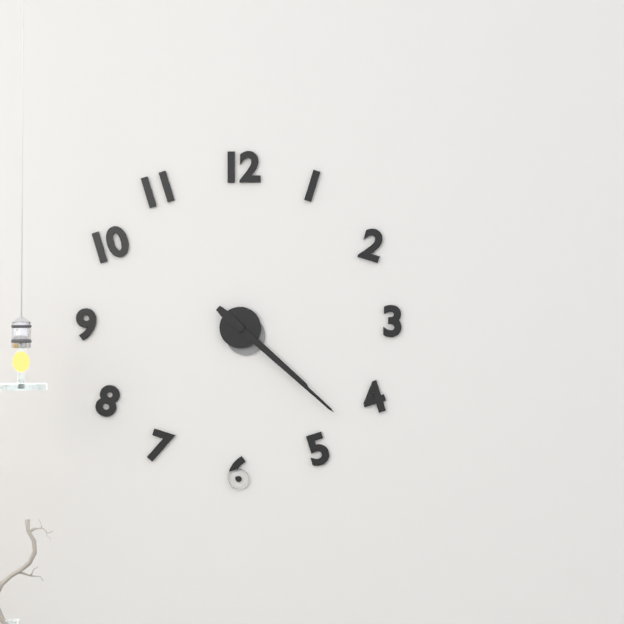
4:22
